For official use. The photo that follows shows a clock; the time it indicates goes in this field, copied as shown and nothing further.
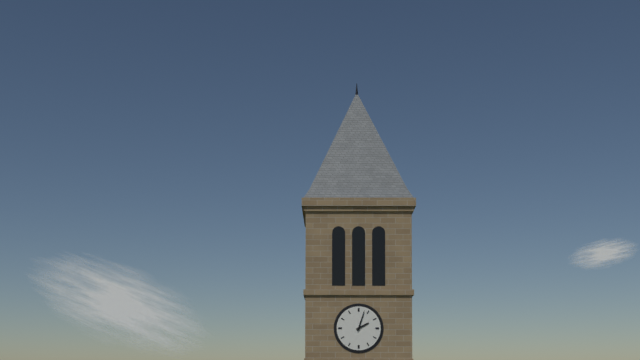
2:03
